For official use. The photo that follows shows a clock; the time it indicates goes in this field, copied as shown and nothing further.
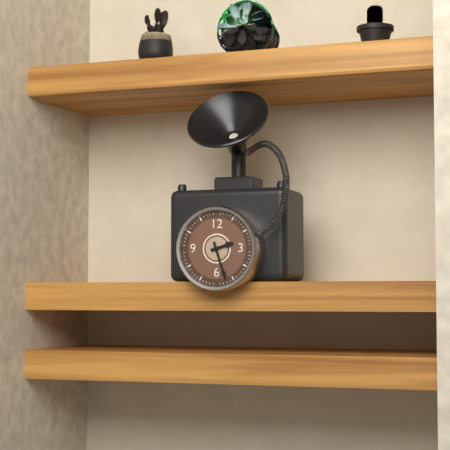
2:27
